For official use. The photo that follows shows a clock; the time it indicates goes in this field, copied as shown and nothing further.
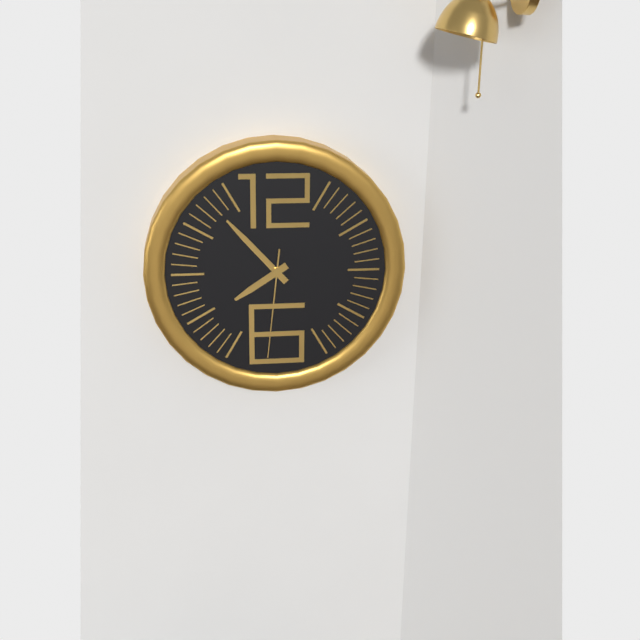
7:53:31
